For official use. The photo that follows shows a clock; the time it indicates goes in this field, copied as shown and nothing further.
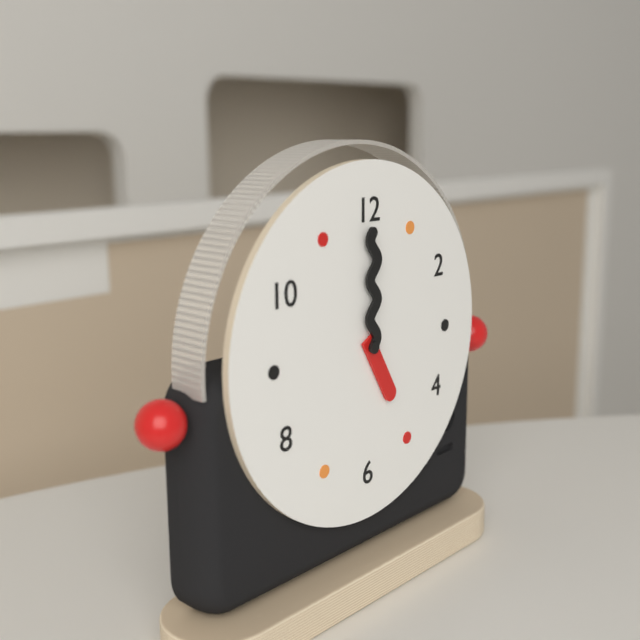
5:00
